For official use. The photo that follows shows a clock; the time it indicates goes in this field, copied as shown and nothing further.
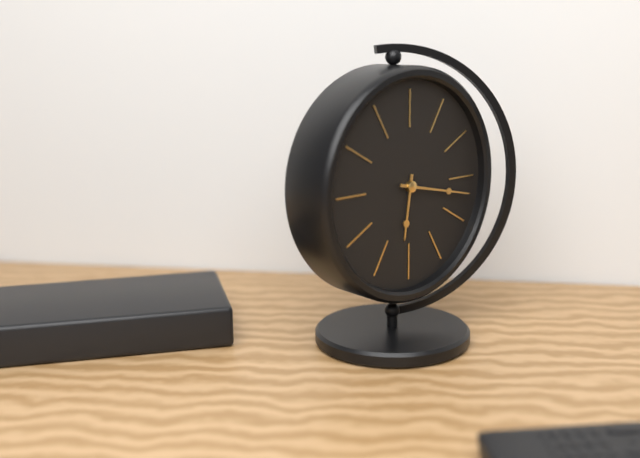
6:17
